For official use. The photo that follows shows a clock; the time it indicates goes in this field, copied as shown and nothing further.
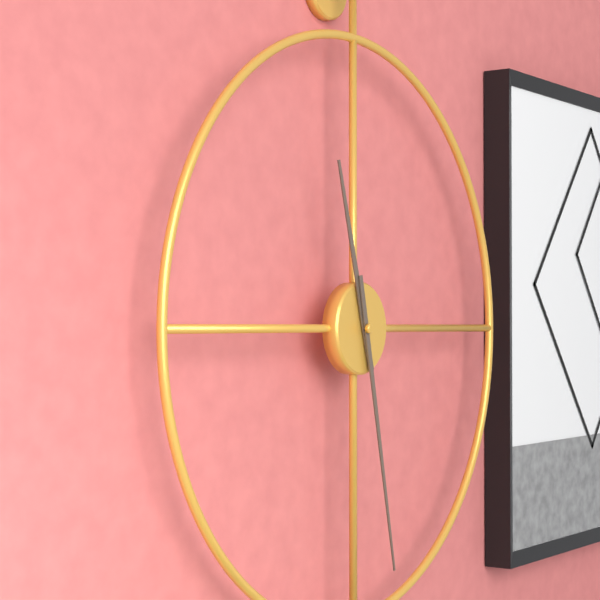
11:28
